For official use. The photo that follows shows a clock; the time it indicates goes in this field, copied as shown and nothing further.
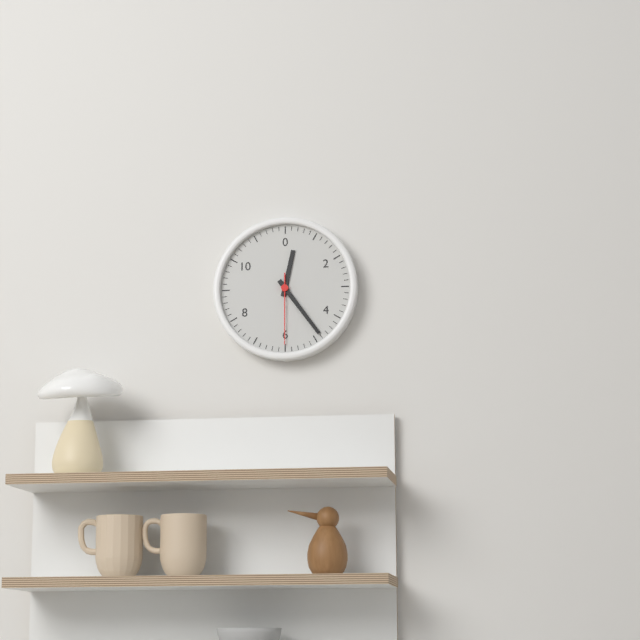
12:24:30
